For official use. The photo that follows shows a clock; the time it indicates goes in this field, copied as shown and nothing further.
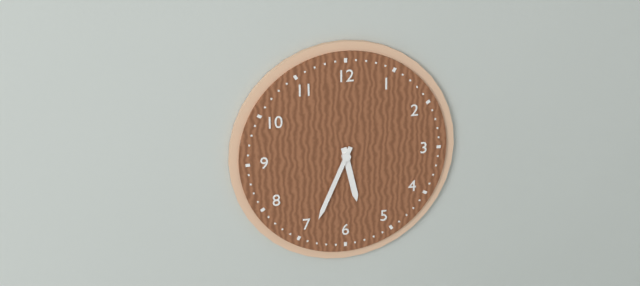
5:34
